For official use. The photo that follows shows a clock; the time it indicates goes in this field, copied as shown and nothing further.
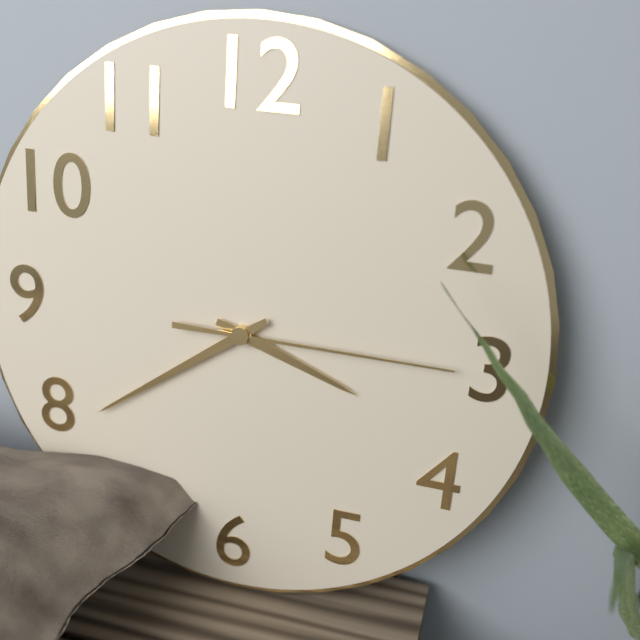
3:39:15
